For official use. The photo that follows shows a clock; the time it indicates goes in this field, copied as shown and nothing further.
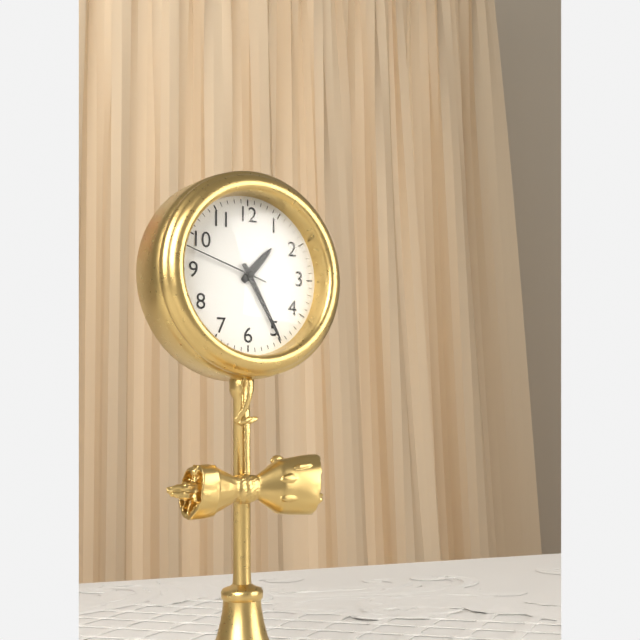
1:25:48
